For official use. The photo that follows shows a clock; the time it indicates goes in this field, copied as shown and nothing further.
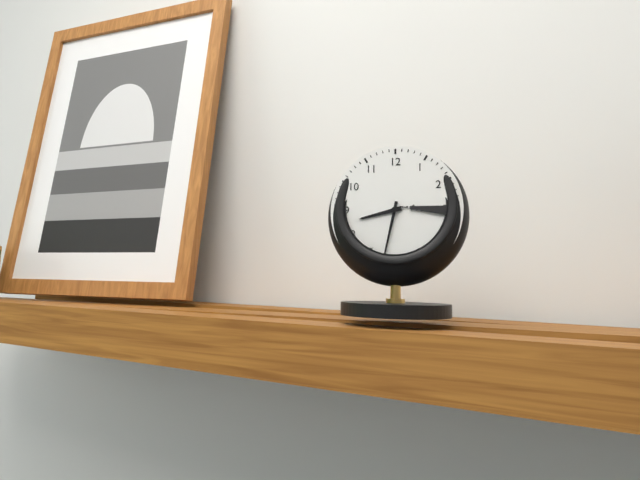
8:32
